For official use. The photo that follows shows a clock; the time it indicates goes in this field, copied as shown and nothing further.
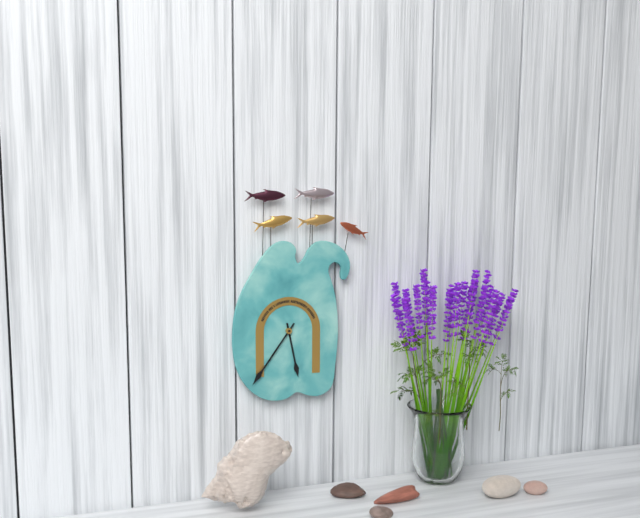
5:36
